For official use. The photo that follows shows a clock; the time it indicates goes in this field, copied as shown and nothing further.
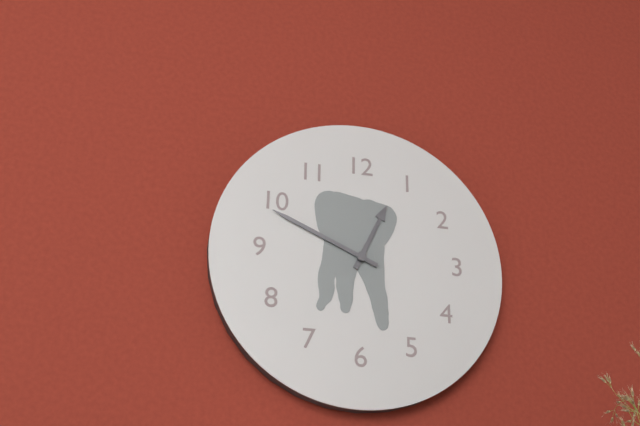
12:49
